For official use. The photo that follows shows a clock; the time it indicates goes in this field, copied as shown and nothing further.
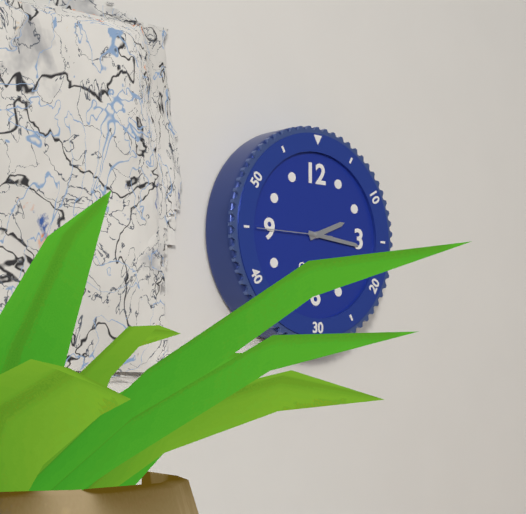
2:16:45
